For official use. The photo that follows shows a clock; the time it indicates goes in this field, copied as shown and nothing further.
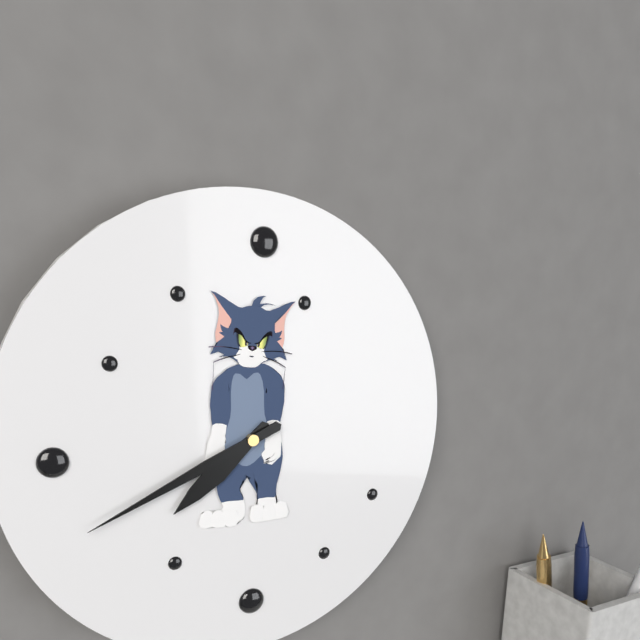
7:41
